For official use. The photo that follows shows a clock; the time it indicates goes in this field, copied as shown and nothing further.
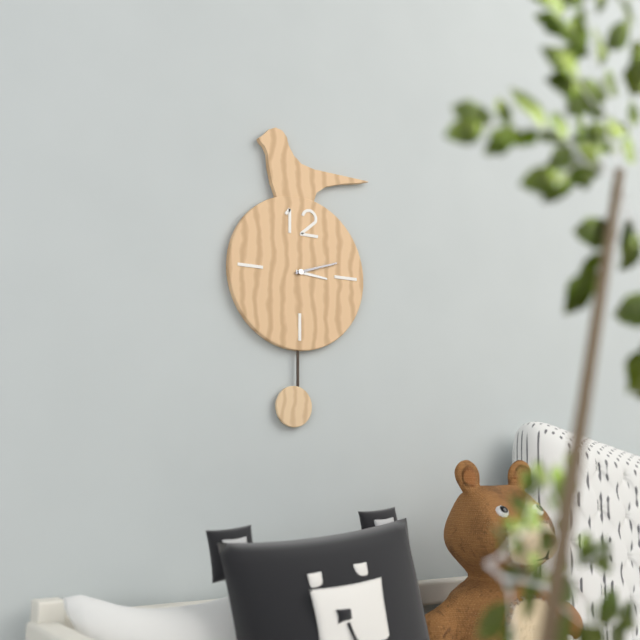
3:12
